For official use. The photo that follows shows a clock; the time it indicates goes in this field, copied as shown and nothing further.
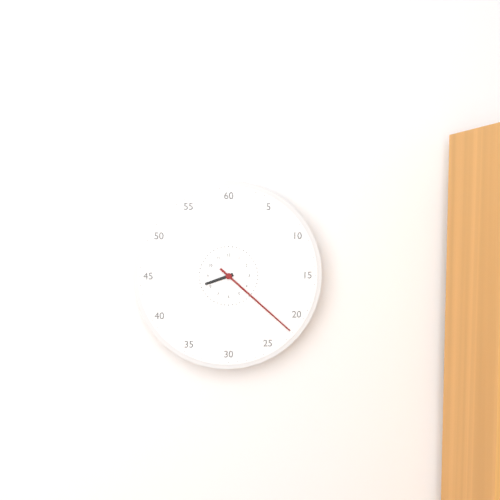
8:22
